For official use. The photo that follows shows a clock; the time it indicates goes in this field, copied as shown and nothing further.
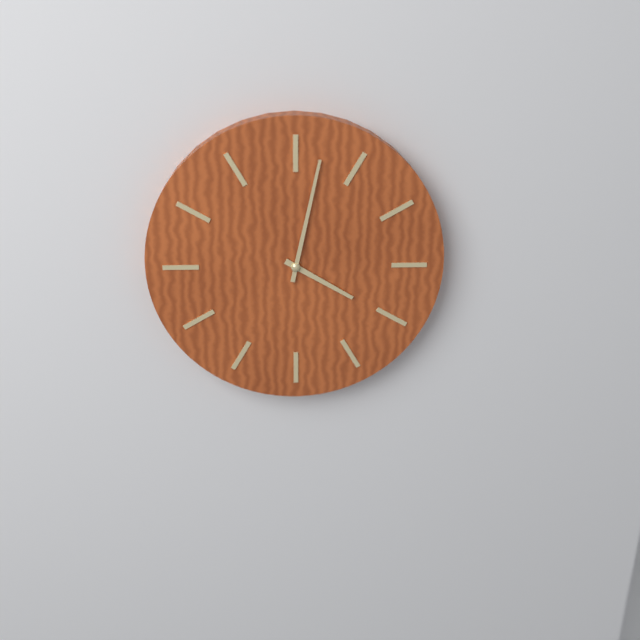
4:02
